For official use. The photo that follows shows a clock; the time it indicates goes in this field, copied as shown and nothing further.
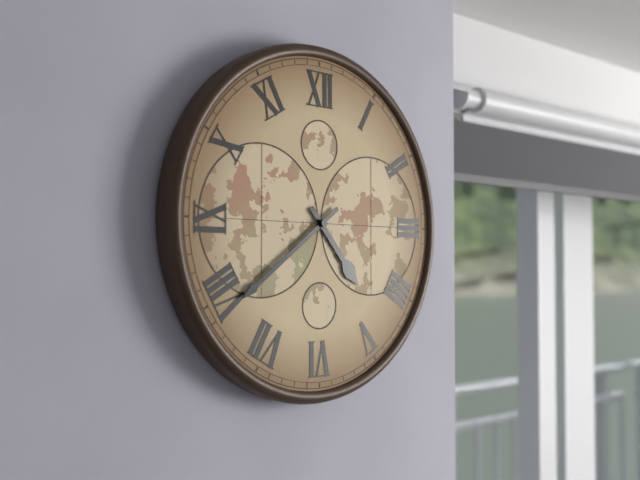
4:39
